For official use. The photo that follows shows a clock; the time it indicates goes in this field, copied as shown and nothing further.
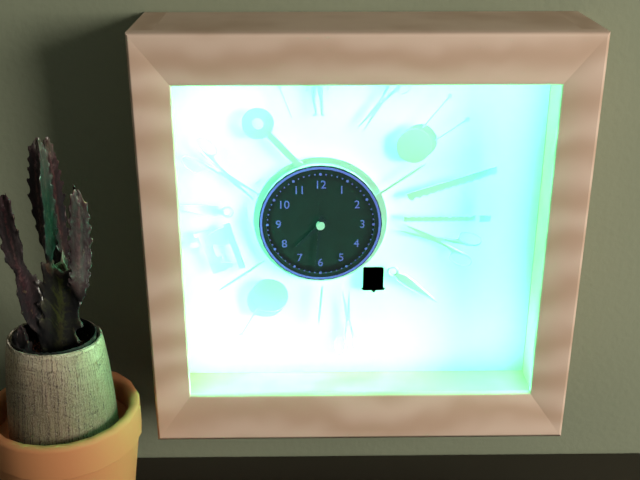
7:31
